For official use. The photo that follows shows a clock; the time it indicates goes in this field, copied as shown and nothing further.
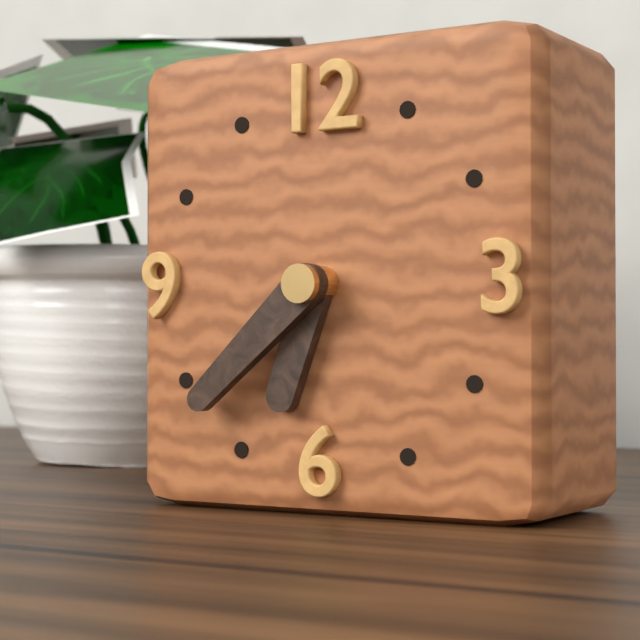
6:38
